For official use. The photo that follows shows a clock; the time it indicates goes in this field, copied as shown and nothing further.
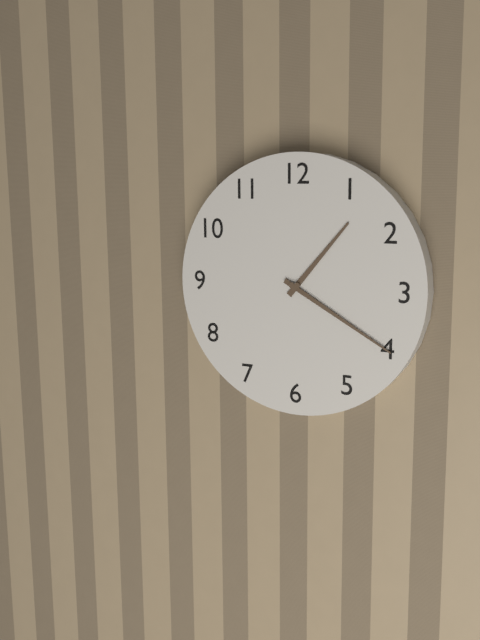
1:20
